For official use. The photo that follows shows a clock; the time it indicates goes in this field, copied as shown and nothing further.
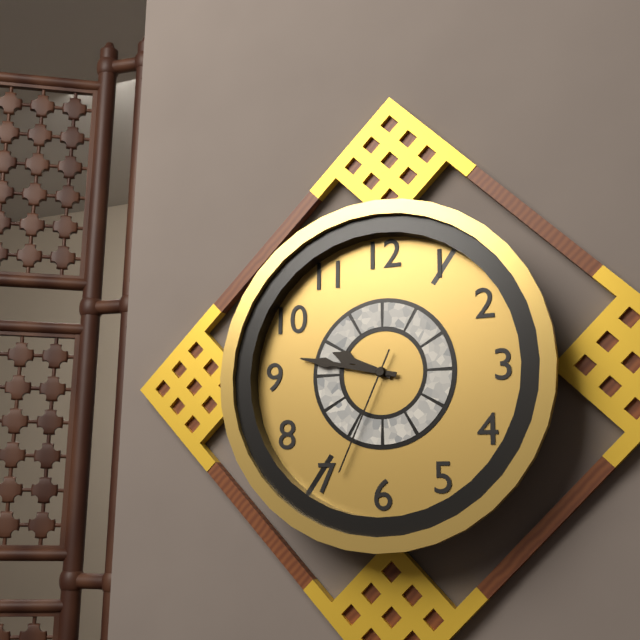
9:47:34
